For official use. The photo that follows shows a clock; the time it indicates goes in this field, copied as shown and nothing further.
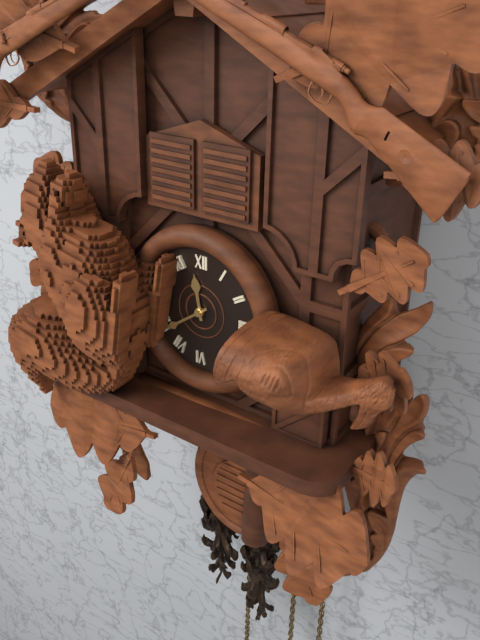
11:39
